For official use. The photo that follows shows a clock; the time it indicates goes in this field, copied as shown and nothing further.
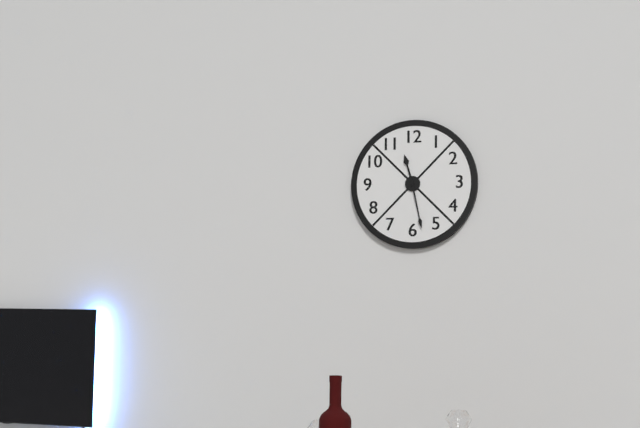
11:28
